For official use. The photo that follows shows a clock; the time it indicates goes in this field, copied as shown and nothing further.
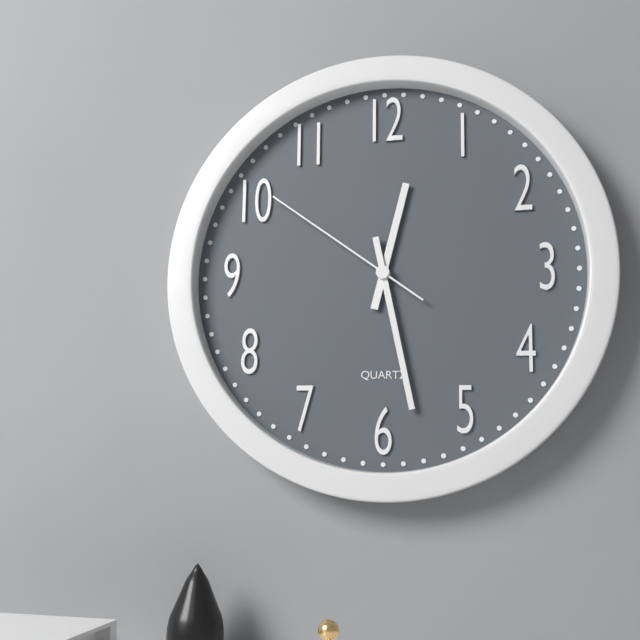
12:28:51
